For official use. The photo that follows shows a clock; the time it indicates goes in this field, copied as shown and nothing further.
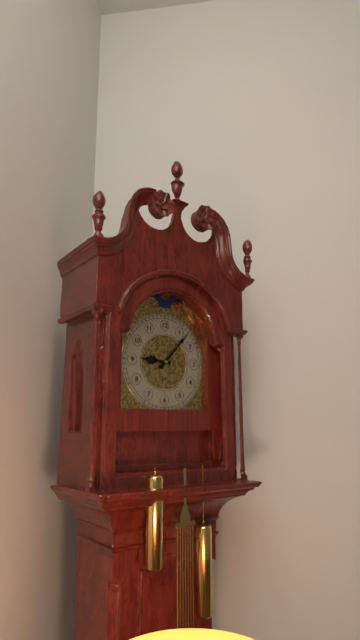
9:07
